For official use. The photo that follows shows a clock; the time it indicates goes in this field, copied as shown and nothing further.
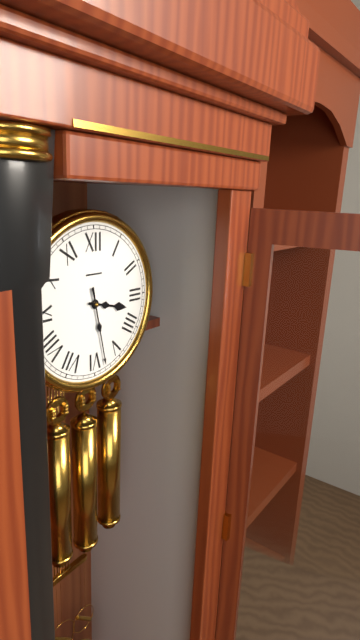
3:28
